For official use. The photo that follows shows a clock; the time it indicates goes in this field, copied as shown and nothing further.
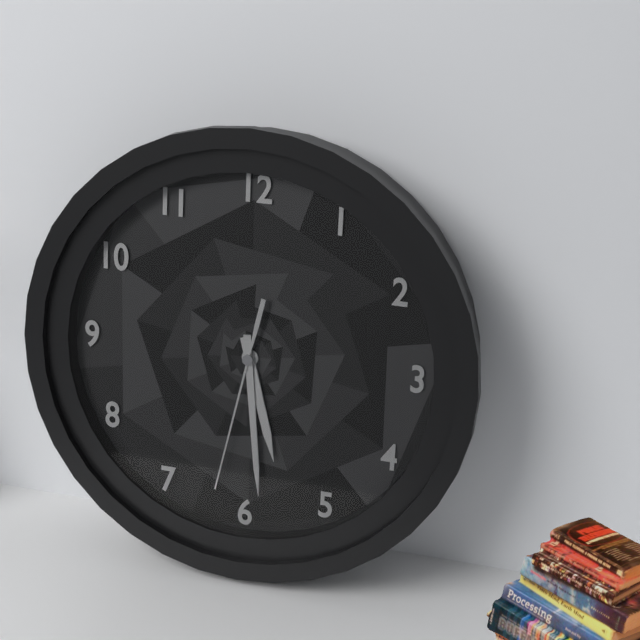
5:29:32
